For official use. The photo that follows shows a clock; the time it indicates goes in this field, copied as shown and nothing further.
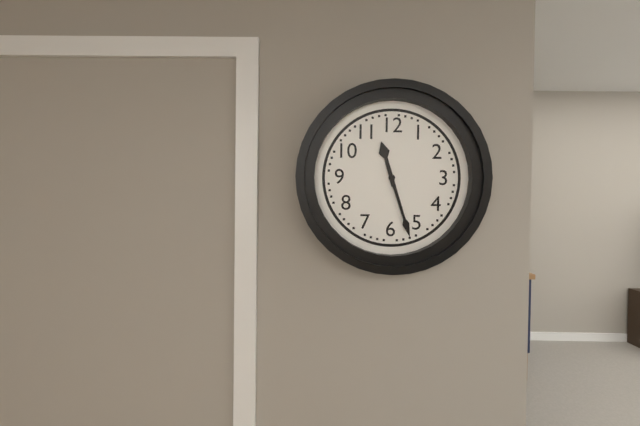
11:27
